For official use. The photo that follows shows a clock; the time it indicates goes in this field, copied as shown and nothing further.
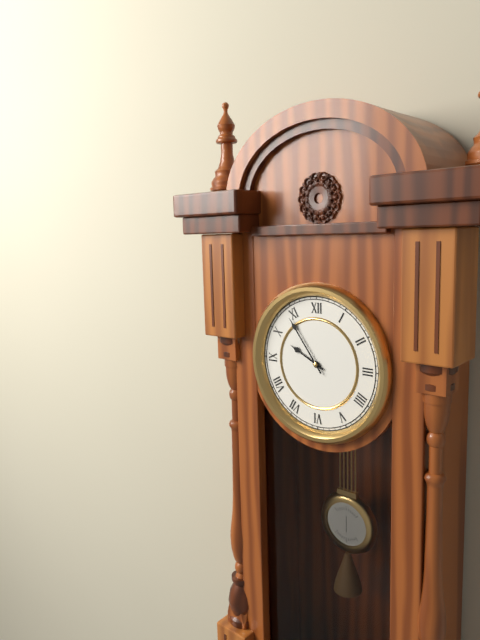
9:54
